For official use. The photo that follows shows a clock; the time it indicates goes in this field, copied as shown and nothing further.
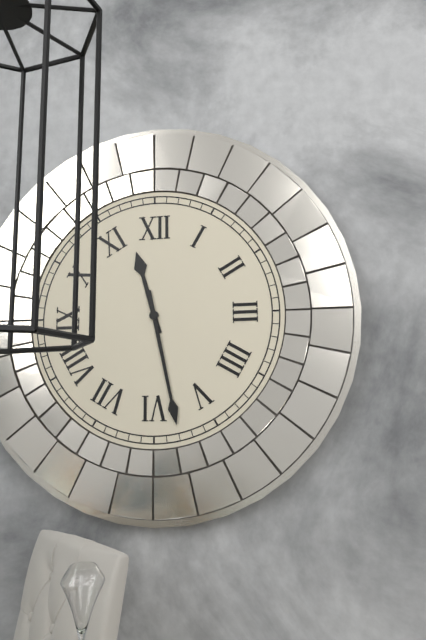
11:28
